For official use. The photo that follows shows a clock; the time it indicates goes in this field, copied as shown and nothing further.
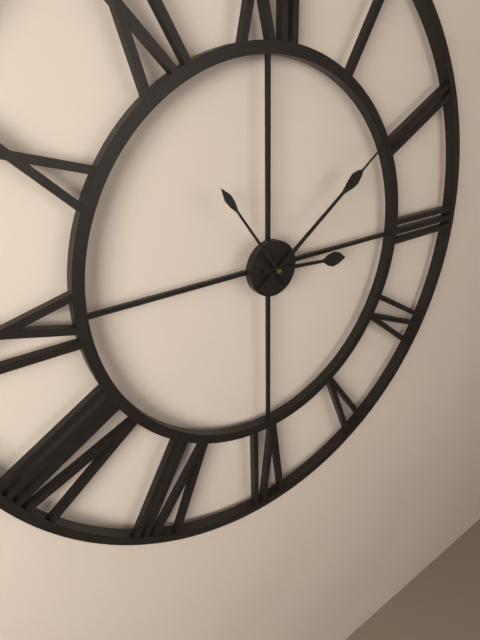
3:09:54
